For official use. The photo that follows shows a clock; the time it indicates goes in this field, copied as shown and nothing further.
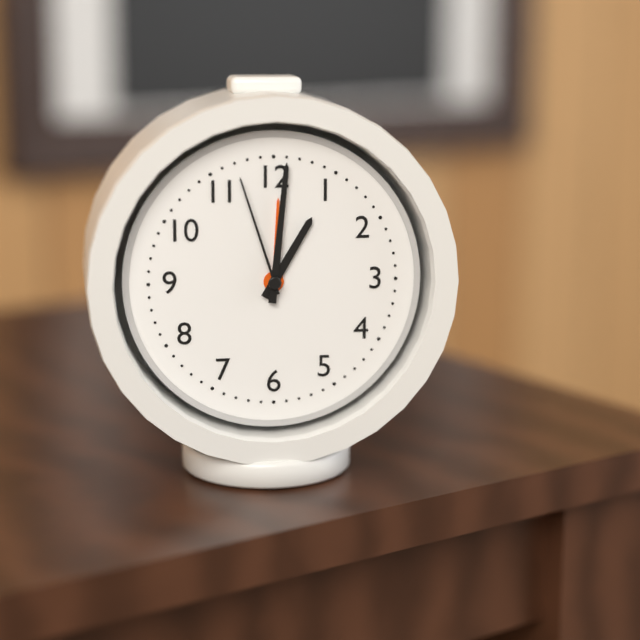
1:01:57
